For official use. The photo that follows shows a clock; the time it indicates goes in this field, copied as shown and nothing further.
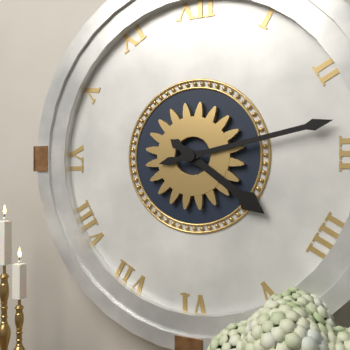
4:13
